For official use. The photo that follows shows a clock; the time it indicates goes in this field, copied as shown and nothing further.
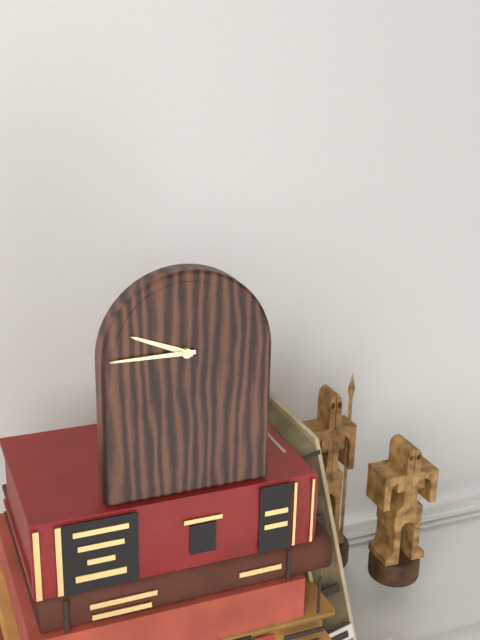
9:45
